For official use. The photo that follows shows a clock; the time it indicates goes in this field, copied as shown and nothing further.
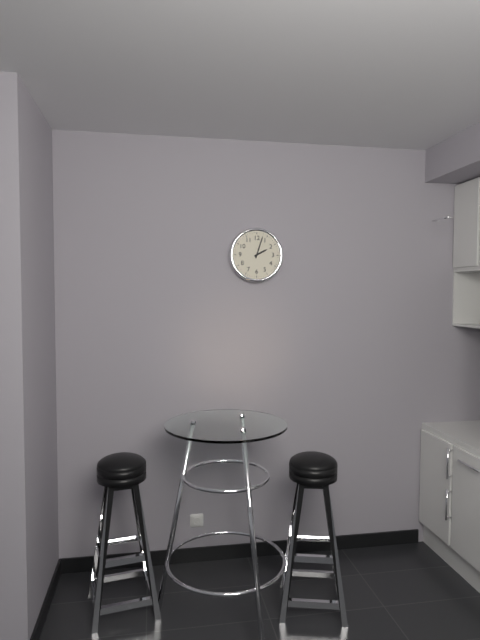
2:03
